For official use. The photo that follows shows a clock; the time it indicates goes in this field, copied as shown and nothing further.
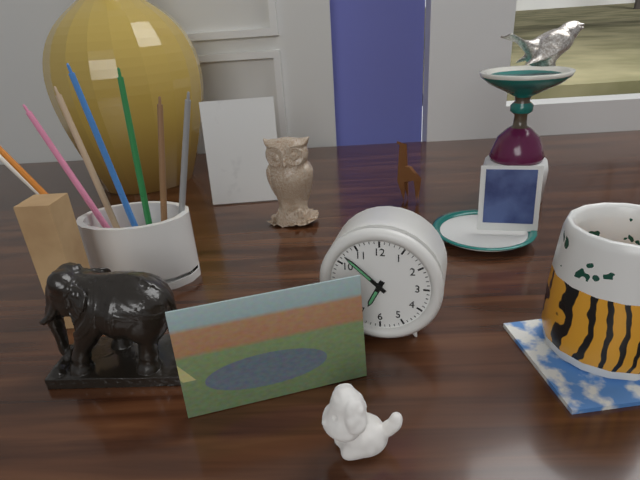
6:52
